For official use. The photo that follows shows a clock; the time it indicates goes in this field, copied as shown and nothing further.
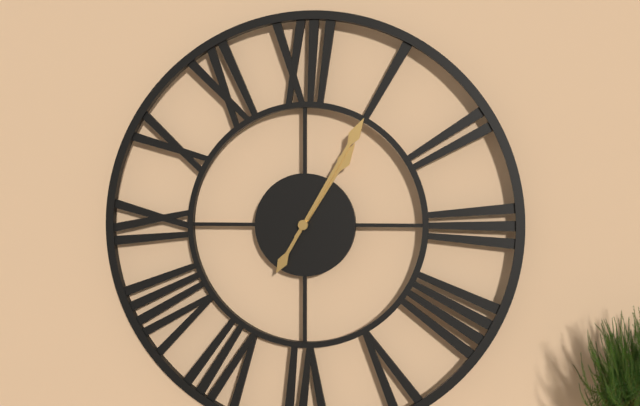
1:05
